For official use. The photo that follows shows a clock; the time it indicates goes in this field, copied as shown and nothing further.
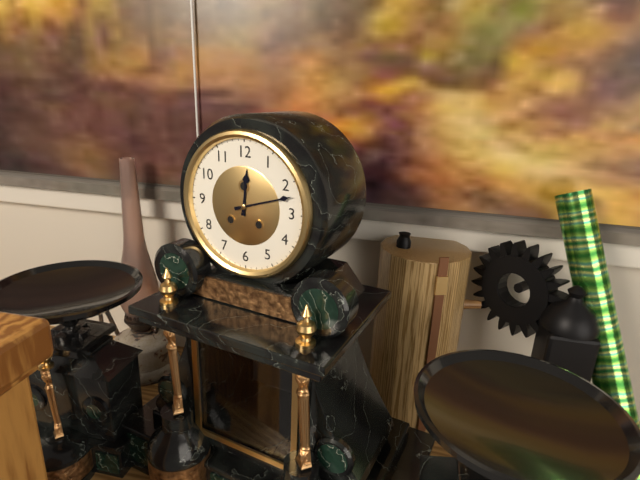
12:12
